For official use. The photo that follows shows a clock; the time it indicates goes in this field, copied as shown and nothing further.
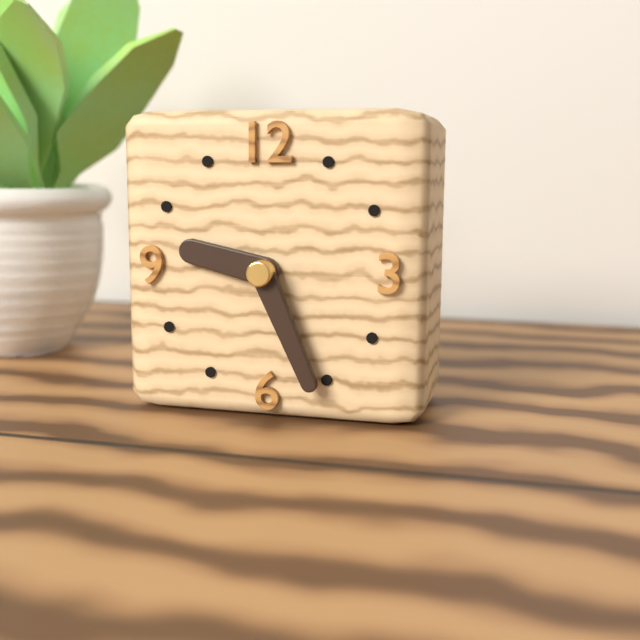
9:26
